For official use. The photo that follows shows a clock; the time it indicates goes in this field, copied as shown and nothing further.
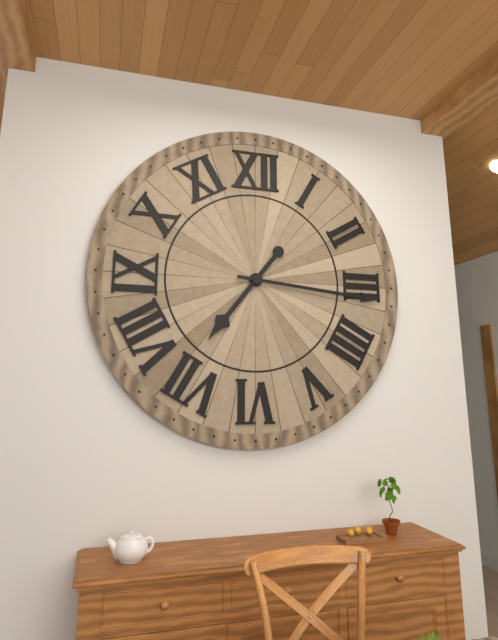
7:16
